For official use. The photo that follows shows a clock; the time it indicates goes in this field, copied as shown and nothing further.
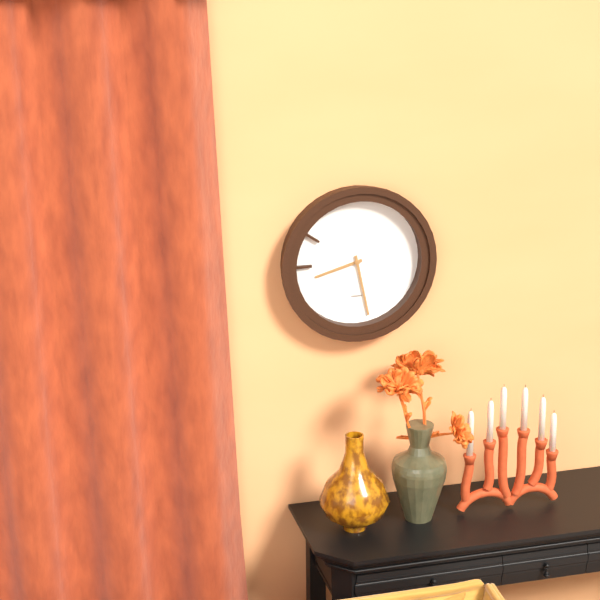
8:28
